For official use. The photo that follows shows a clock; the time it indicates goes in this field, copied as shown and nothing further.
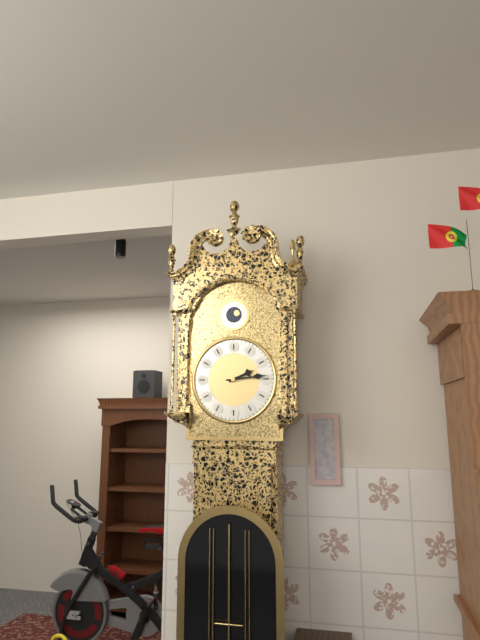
2:14
